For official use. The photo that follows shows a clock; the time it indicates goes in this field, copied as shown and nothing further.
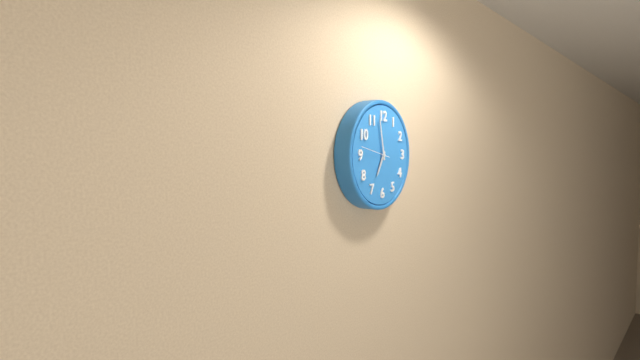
6:58
